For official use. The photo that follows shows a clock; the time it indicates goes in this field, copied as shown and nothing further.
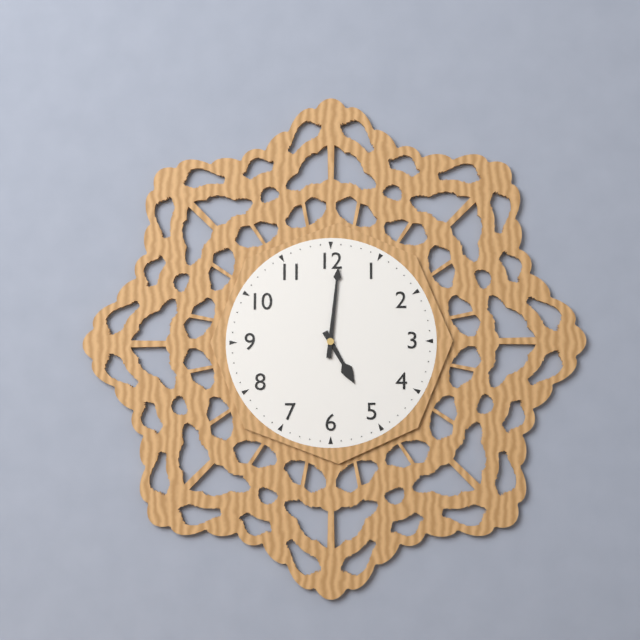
5:01
